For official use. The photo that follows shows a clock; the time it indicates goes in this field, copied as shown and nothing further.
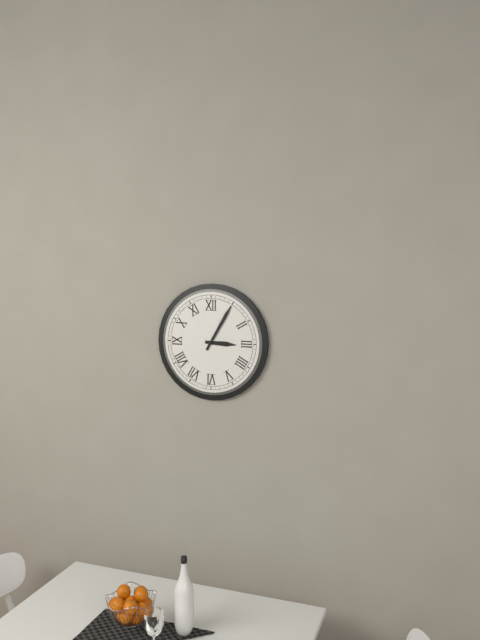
3:05
